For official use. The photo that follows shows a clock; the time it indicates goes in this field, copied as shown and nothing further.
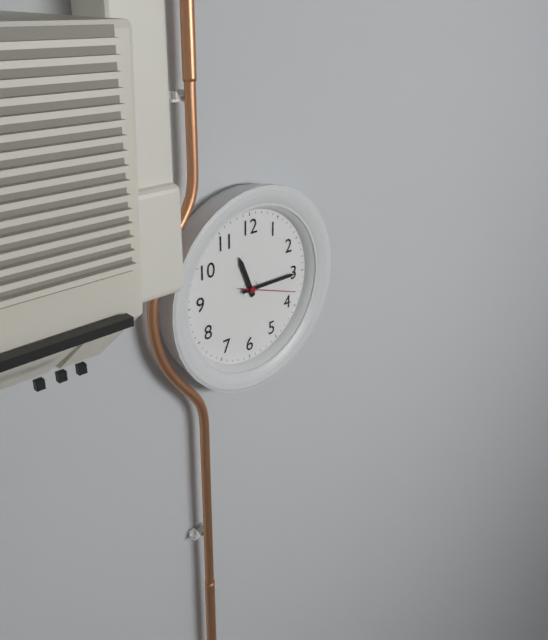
11:15:18
